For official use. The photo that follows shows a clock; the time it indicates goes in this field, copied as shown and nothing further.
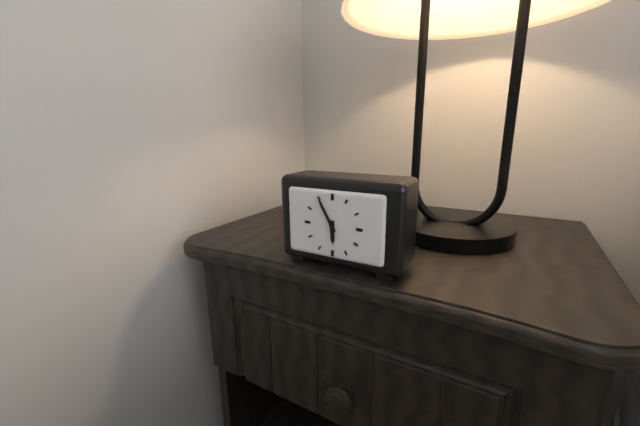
5:55
